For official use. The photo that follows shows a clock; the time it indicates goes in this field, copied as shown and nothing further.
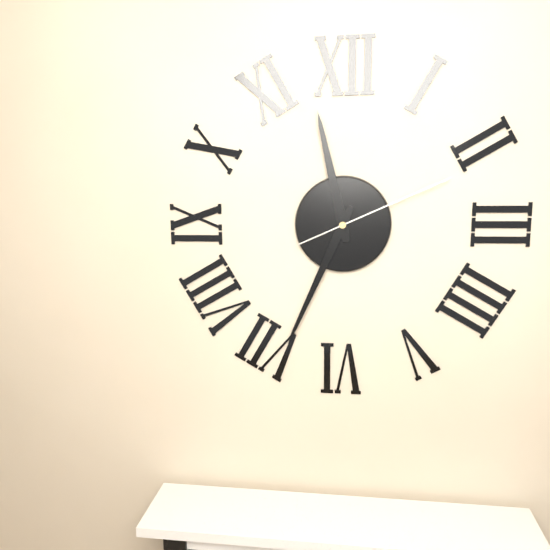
11:34:11
